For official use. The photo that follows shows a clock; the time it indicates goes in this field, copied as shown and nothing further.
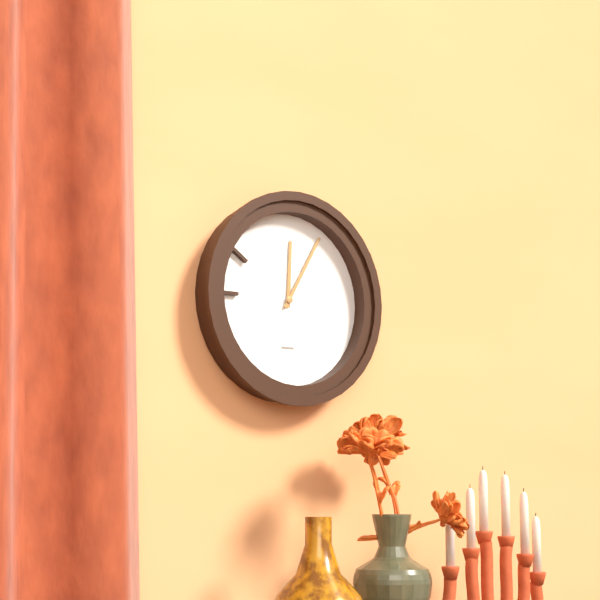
12:05
